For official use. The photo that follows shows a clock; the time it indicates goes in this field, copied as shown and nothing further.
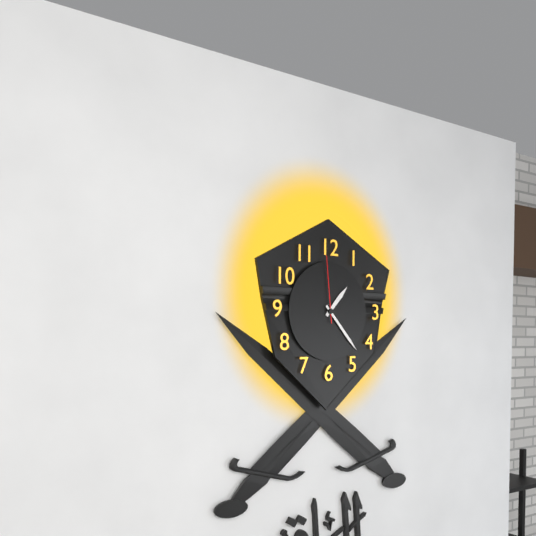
1:23:59
